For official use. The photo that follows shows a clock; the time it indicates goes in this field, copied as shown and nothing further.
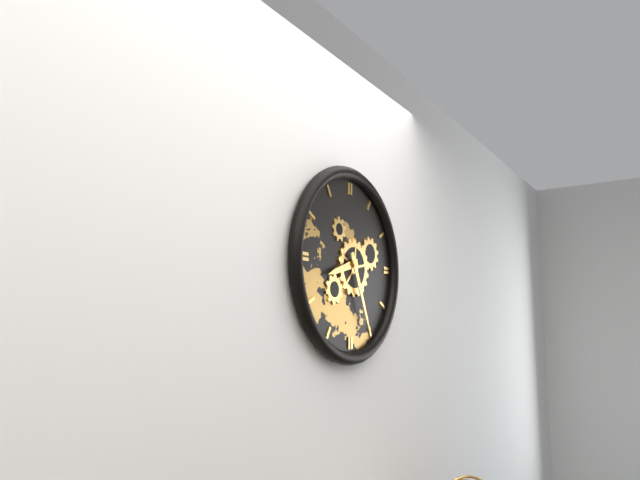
8:26
